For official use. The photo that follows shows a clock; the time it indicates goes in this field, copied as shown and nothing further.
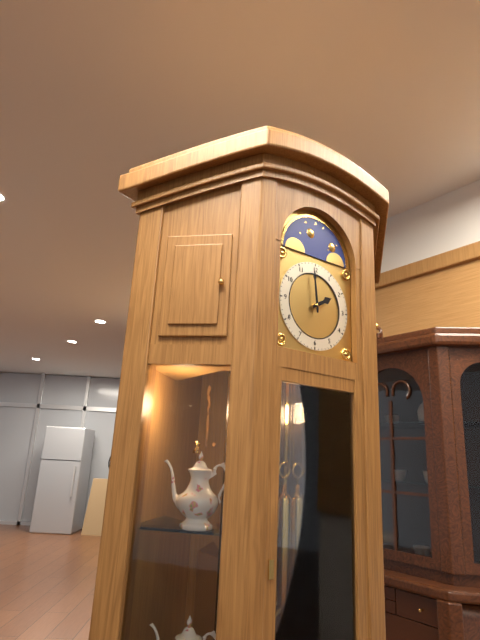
1:59
